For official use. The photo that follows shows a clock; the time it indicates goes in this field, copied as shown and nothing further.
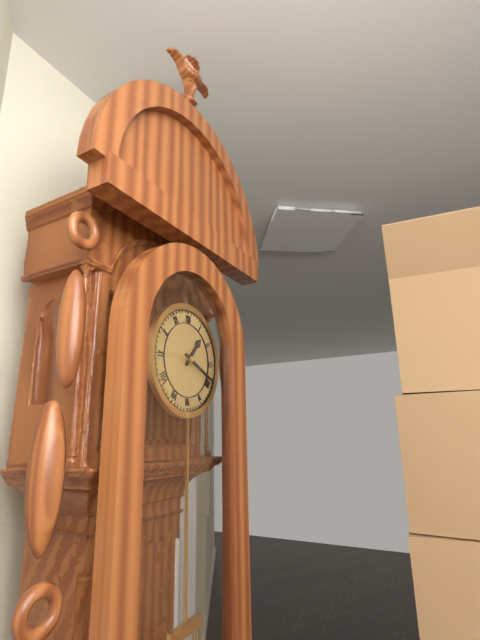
1:19
